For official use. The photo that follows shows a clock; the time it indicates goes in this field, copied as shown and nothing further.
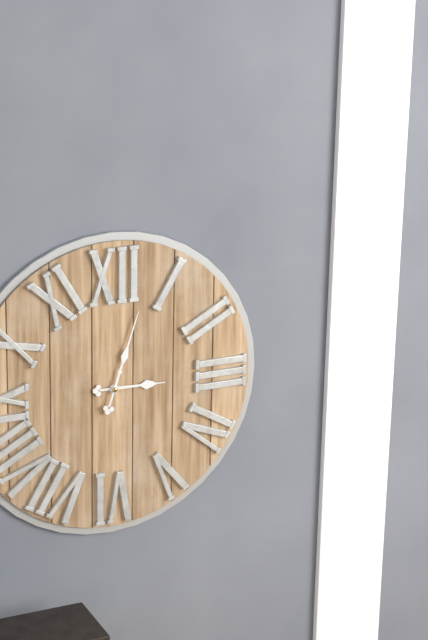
3:03
